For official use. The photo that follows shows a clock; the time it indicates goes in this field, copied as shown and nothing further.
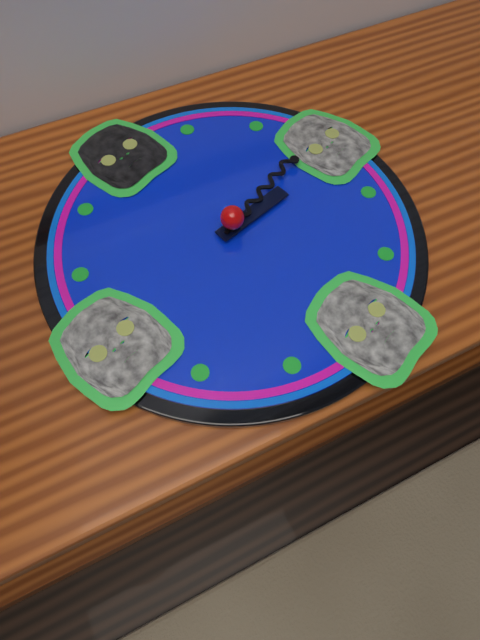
3:14
